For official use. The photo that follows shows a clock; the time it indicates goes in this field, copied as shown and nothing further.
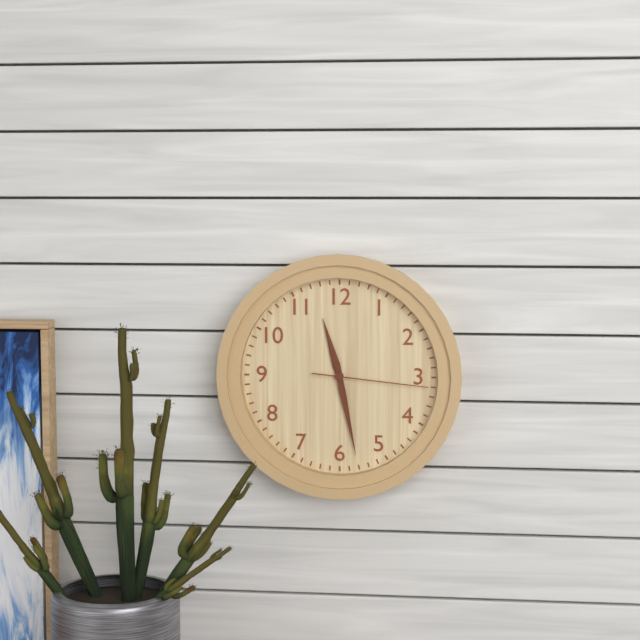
11:28:16
